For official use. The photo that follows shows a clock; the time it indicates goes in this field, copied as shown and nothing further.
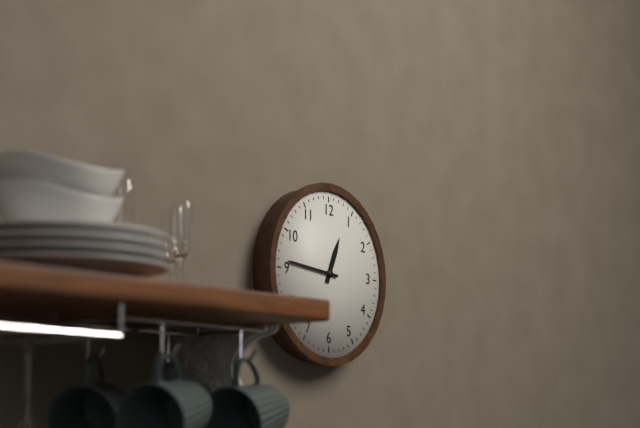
12:46
